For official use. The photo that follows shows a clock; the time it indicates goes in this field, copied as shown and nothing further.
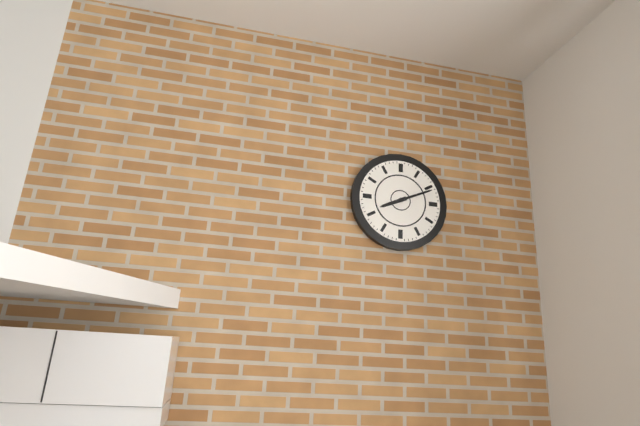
8:11
